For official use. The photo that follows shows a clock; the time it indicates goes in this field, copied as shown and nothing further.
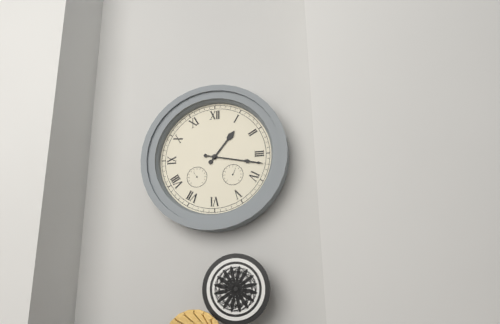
1:17
